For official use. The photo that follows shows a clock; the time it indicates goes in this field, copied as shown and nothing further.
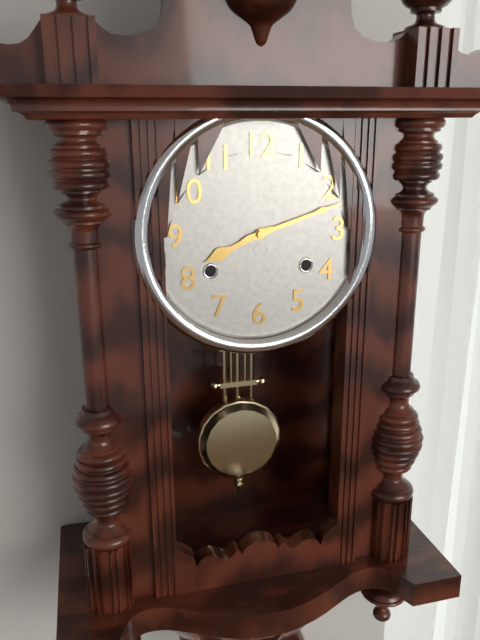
8:12
